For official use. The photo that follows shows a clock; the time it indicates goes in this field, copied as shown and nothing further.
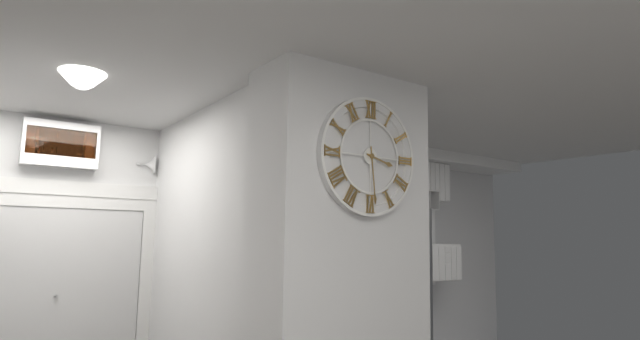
3:29
